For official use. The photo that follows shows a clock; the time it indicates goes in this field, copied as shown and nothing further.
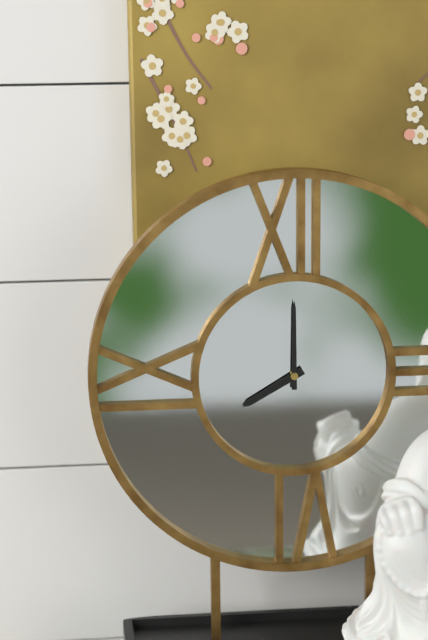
8:00
